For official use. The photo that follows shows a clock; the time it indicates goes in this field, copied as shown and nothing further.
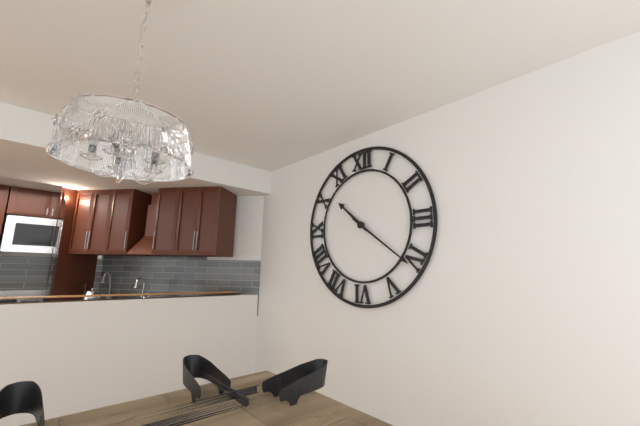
10:21
